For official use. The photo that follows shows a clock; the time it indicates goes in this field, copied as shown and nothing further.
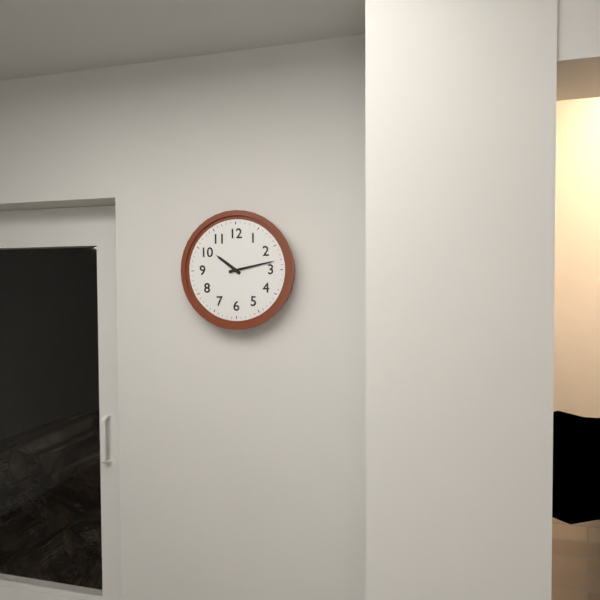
10:13
